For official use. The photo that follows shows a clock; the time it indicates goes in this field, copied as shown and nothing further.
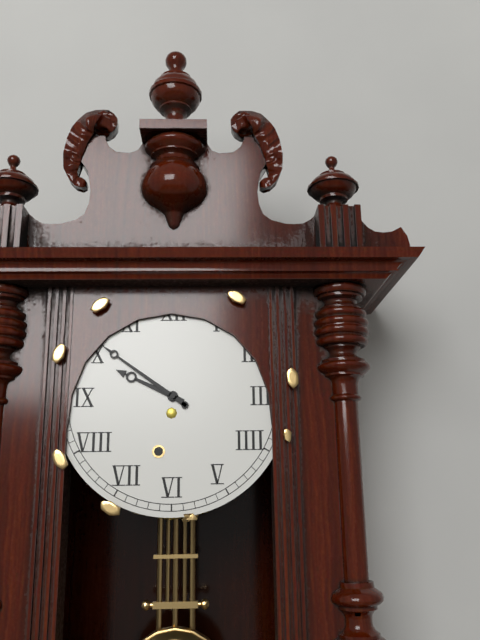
9:51
